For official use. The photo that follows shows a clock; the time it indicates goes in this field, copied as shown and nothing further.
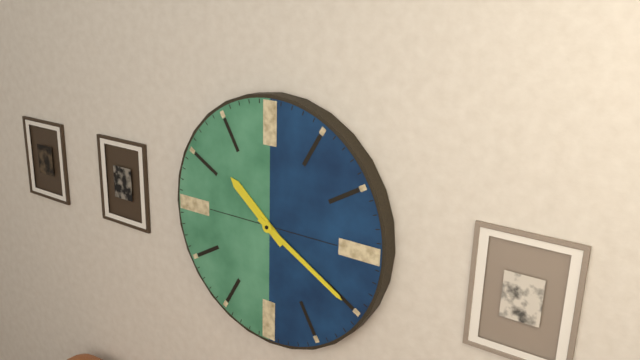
10:20
